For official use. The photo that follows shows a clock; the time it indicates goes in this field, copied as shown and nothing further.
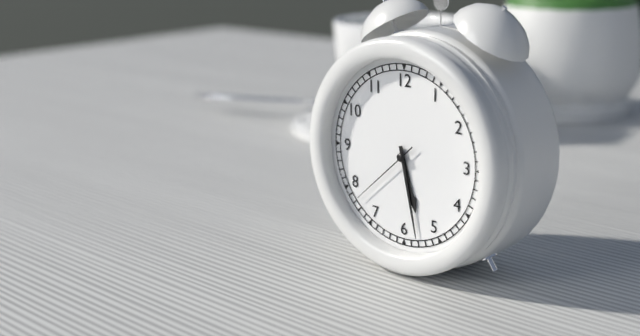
5:28:38
